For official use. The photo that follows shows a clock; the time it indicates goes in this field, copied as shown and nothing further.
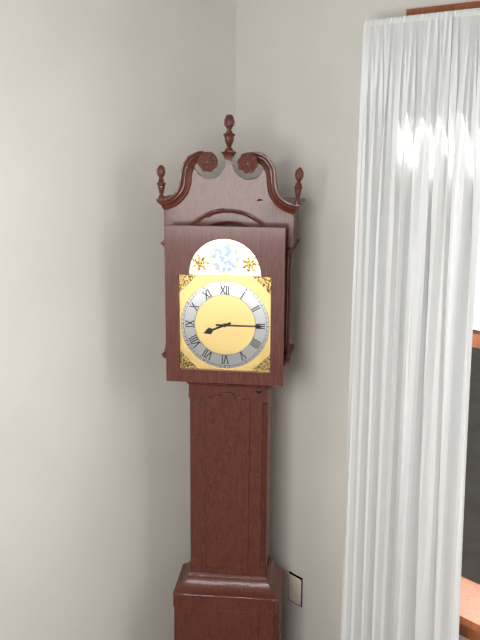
8:15
